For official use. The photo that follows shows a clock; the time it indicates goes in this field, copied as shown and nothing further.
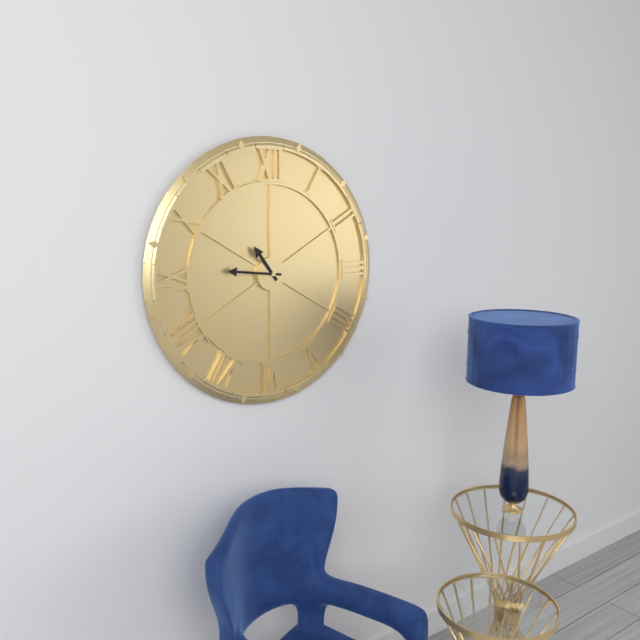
10:46
